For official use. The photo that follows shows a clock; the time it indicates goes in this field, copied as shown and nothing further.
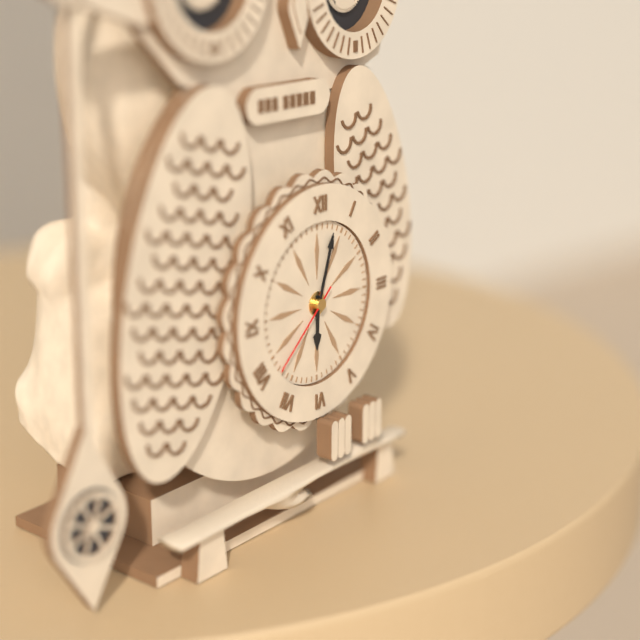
6:03:38
